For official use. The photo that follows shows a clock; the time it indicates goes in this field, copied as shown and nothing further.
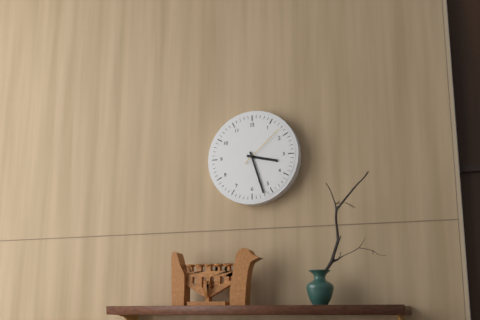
3:27
